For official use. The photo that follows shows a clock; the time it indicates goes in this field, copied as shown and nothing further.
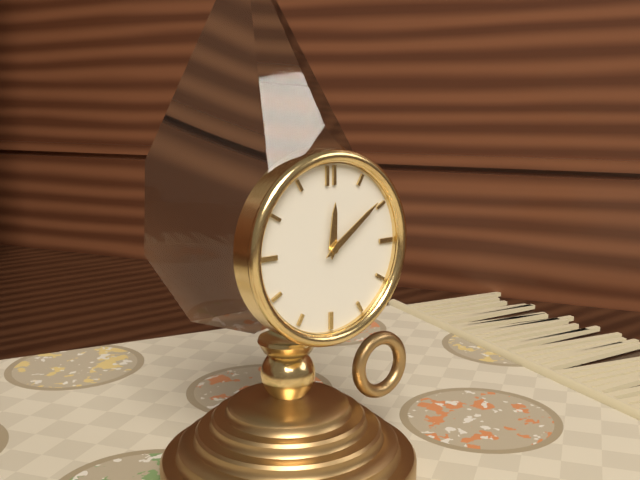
12:09
